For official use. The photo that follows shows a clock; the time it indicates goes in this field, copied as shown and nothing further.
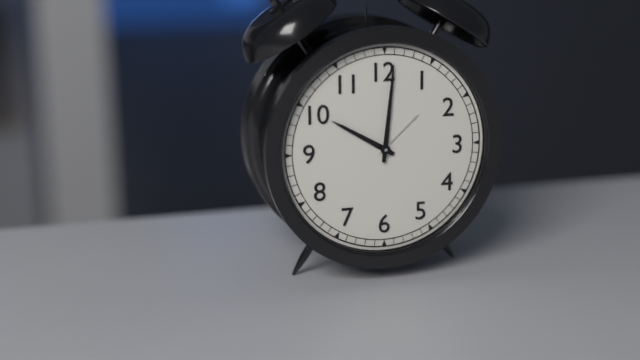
10:01
